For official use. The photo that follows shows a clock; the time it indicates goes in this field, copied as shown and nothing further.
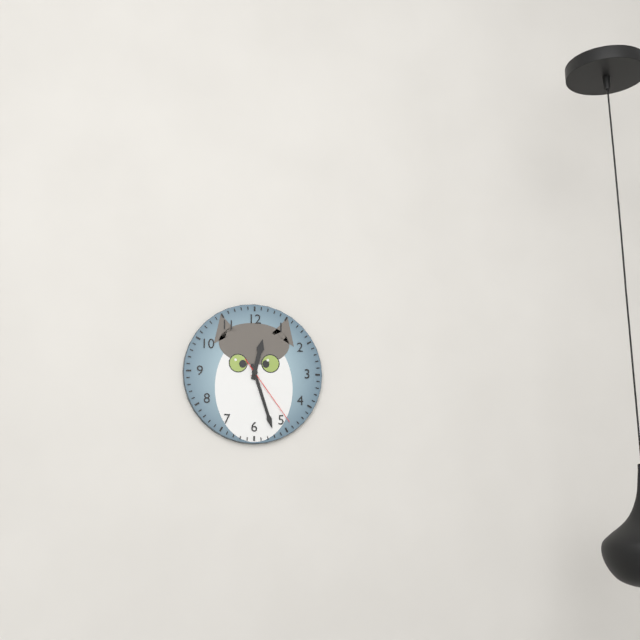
12:27:24
